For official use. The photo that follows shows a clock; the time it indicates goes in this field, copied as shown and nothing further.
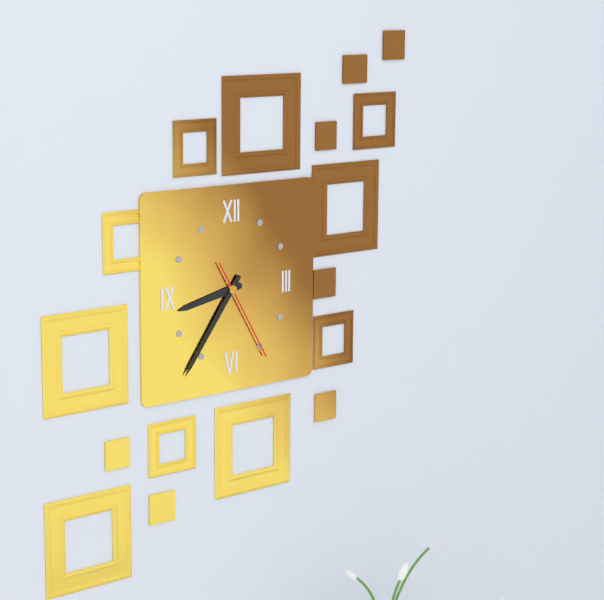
8:36:25
